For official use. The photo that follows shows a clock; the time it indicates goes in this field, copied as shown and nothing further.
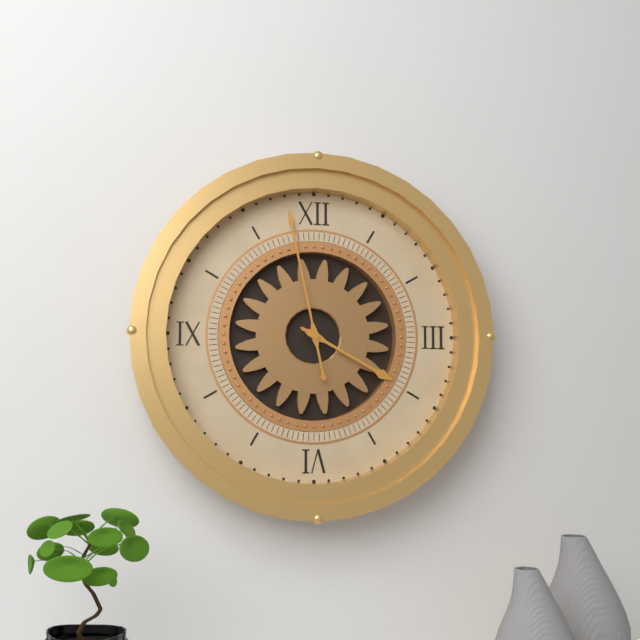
3:58
